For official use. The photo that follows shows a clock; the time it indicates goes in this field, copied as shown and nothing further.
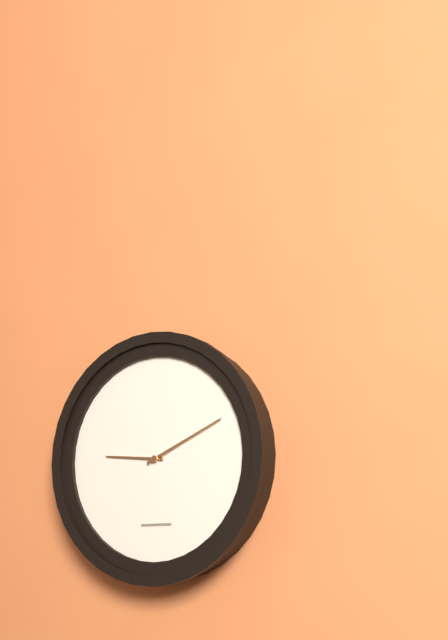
9:11
